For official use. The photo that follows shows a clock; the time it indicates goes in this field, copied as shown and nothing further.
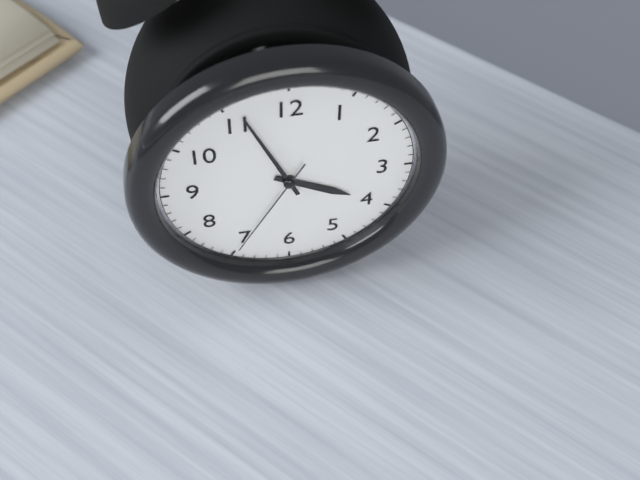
3:56:35
